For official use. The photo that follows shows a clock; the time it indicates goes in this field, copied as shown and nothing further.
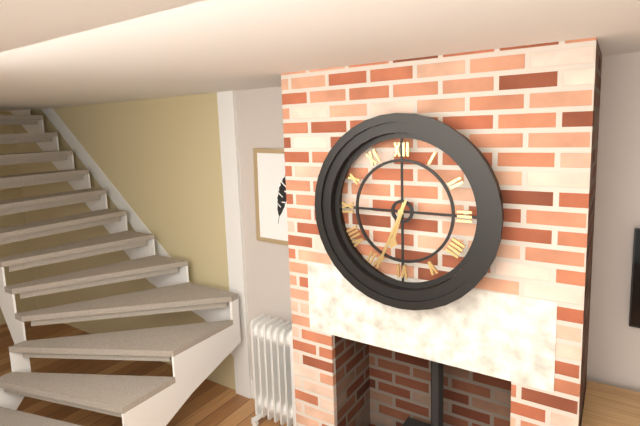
6:34
